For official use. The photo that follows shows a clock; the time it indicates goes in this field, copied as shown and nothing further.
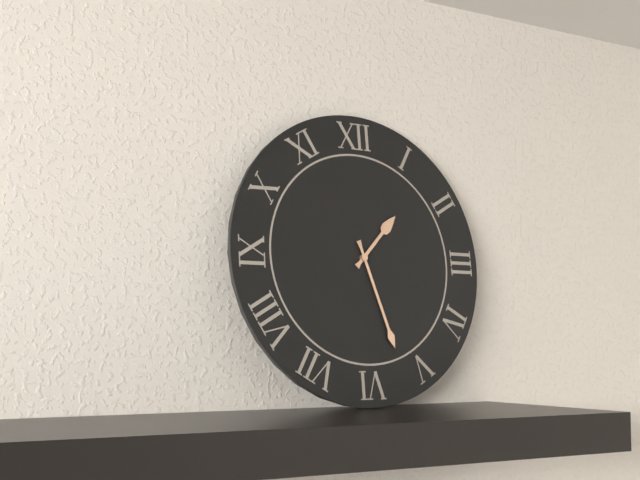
1:27
